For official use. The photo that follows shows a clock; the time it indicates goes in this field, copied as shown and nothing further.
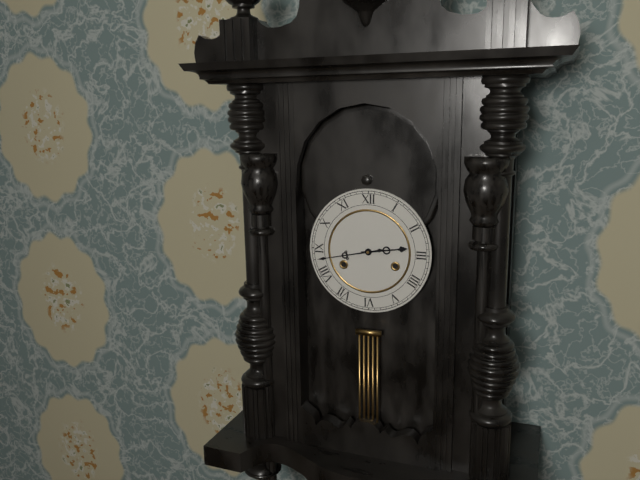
2:43
